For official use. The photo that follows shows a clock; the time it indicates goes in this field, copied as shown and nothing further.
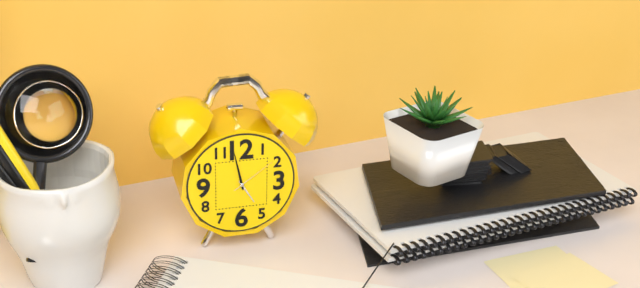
4:58
